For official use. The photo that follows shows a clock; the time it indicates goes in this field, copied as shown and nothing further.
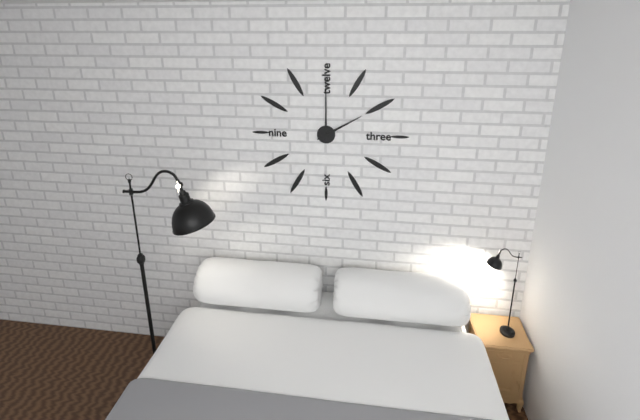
2:00
